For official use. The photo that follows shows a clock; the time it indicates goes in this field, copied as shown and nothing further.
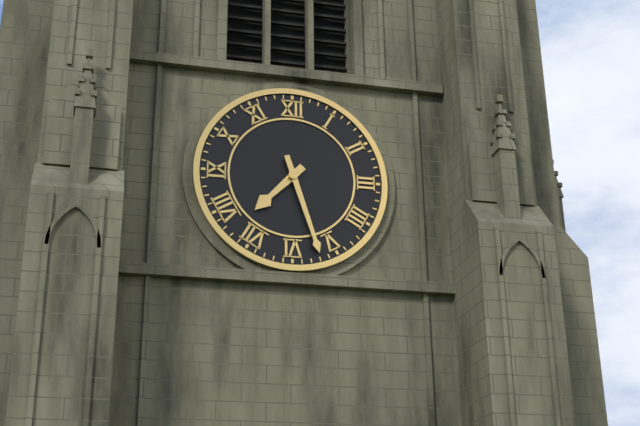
7:27
